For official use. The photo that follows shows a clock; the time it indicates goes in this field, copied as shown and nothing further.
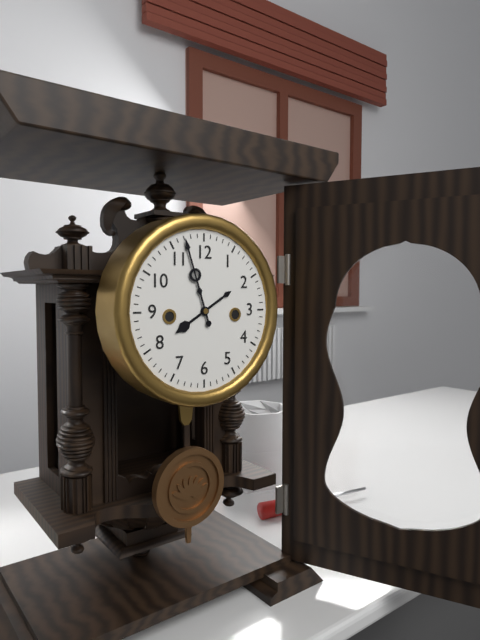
7:57
